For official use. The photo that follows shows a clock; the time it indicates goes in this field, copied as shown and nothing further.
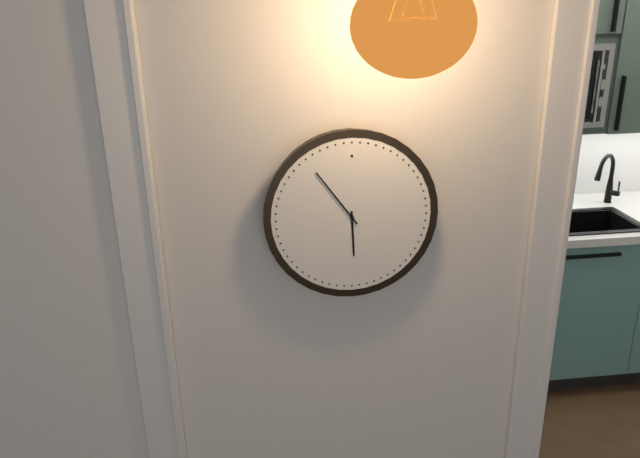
5:54
